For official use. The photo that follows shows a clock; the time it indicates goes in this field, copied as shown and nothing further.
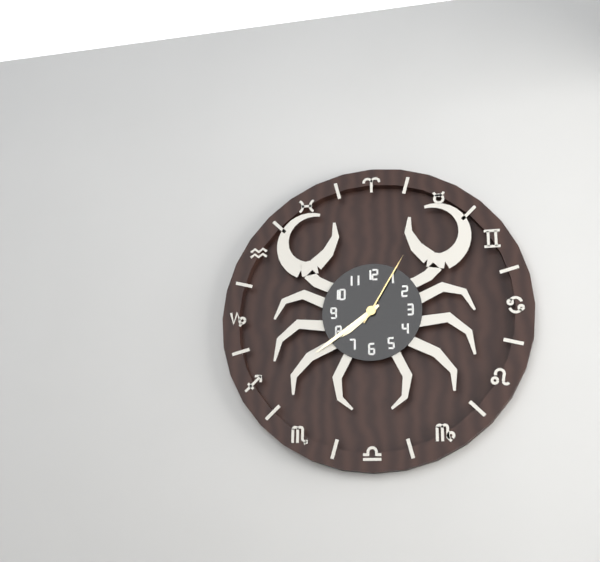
7:39:05
